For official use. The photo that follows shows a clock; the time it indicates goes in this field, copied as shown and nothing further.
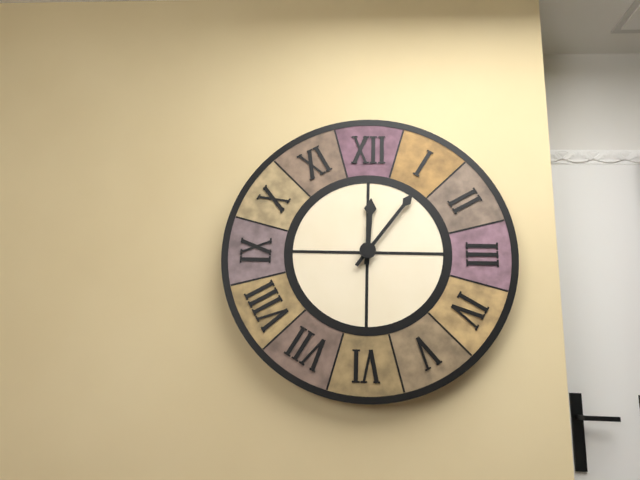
12:06
